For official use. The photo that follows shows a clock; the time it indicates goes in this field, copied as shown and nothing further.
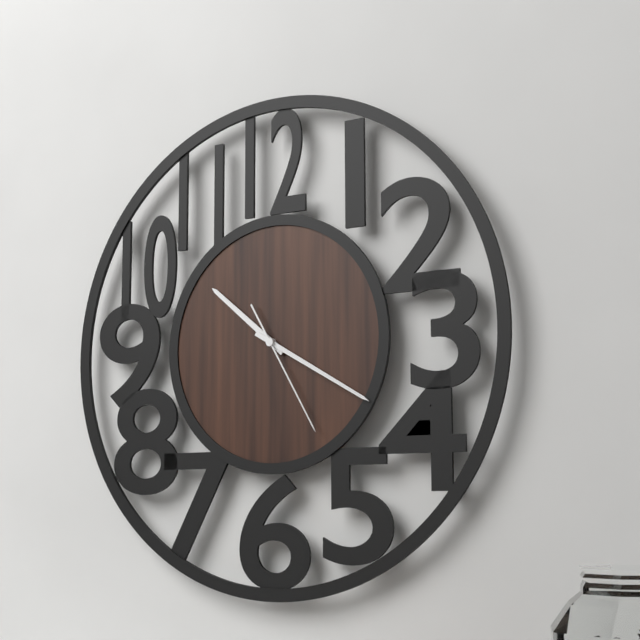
10:20:25
